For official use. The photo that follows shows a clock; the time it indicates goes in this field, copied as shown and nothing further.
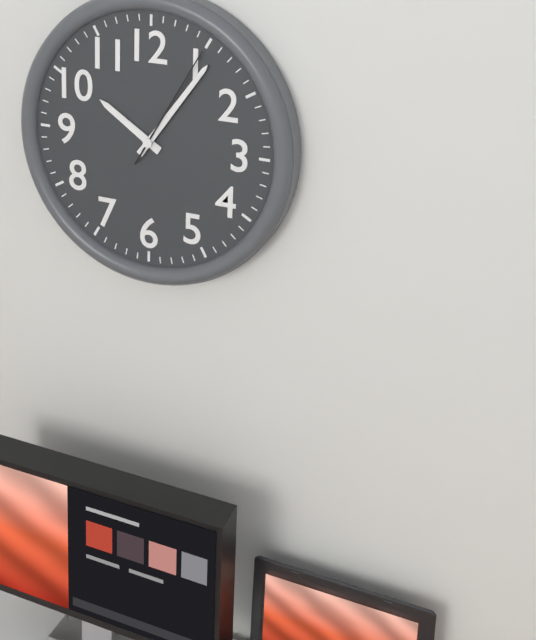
10:06:05
